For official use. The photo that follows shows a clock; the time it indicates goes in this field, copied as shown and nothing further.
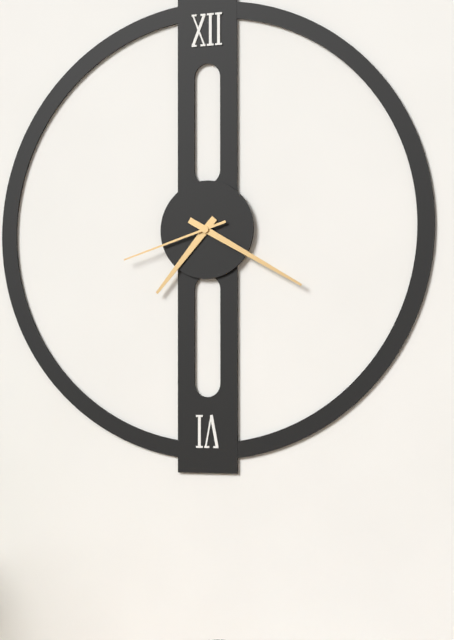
7:20:42
